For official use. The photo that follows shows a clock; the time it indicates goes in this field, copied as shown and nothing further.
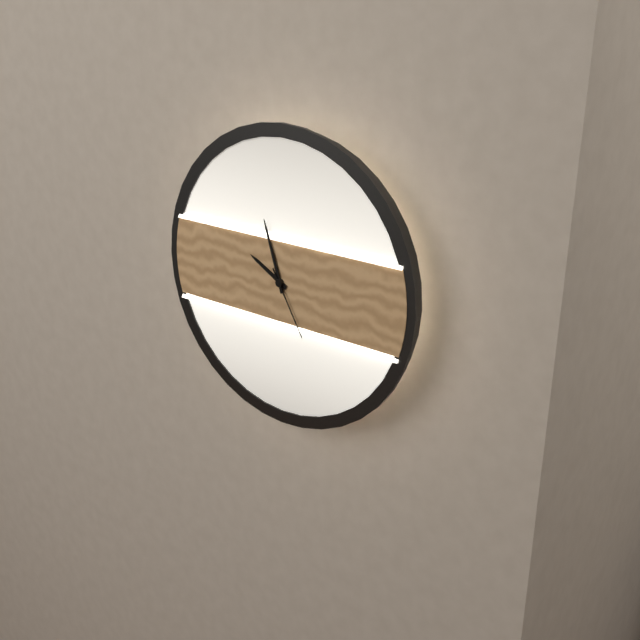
9:57:25
